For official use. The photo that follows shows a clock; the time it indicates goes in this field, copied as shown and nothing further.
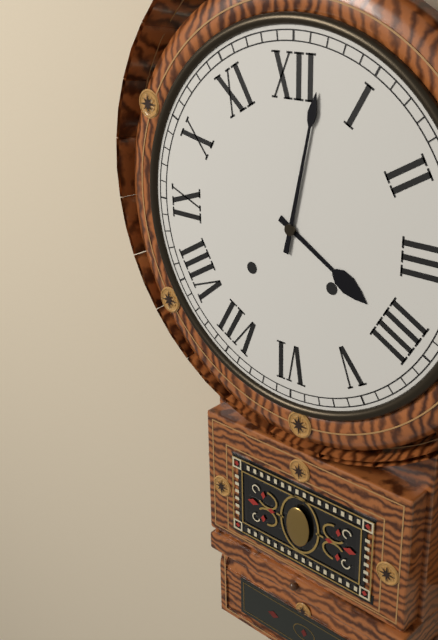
4:02
